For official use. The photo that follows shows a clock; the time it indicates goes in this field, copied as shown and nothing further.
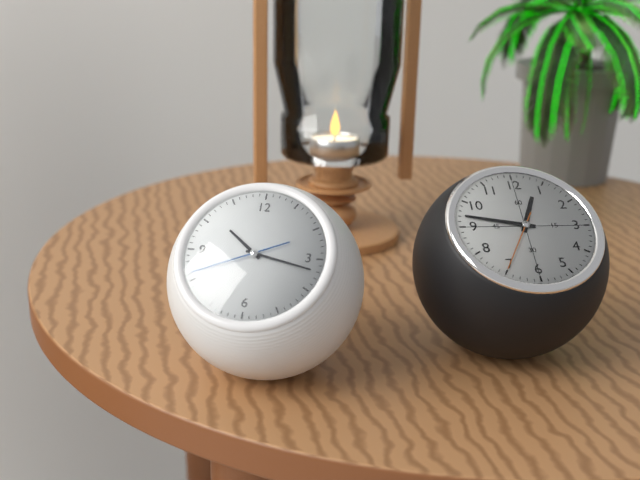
10:17:41
